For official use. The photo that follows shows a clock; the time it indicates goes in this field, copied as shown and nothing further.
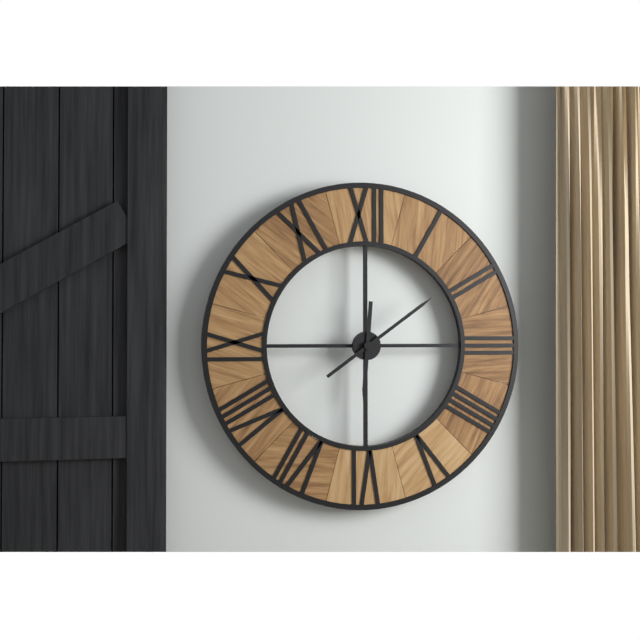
6:09
